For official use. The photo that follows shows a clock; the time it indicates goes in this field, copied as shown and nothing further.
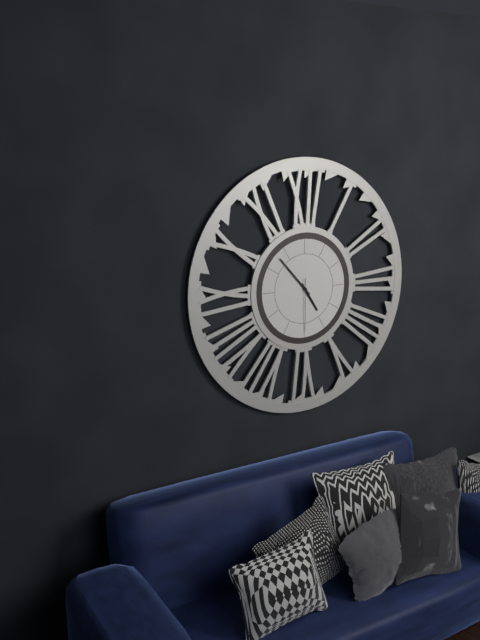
4:53:30
